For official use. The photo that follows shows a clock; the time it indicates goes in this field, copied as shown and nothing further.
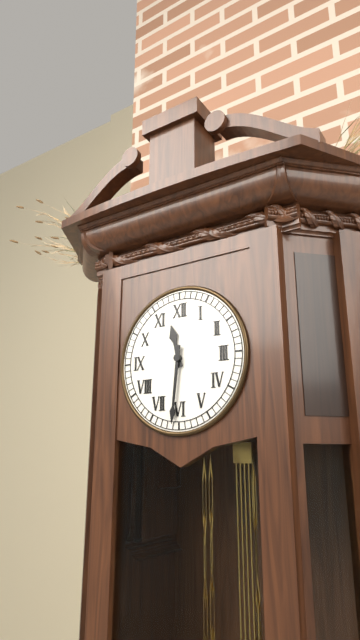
11:31
